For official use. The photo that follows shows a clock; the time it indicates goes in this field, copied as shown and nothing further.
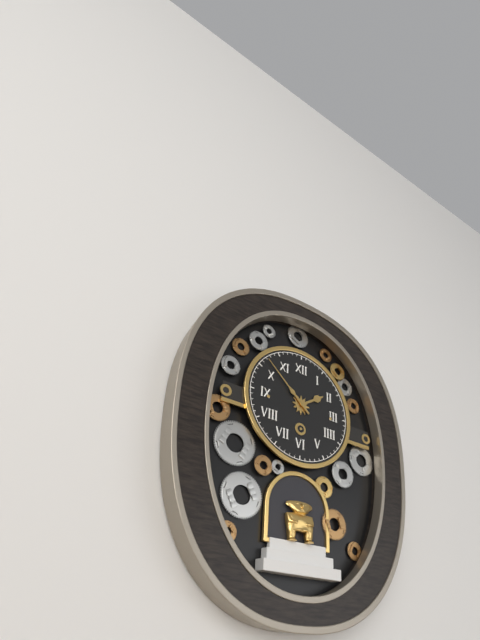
1:52
